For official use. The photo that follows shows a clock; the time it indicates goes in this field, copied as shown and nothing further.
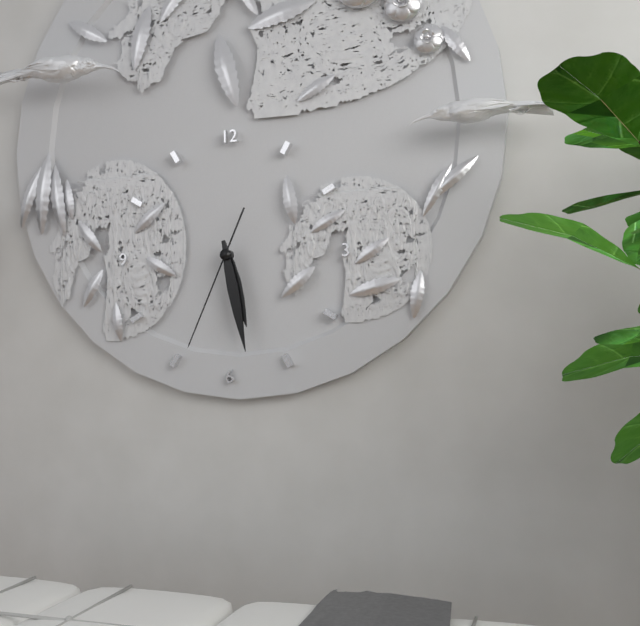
5:28:34
